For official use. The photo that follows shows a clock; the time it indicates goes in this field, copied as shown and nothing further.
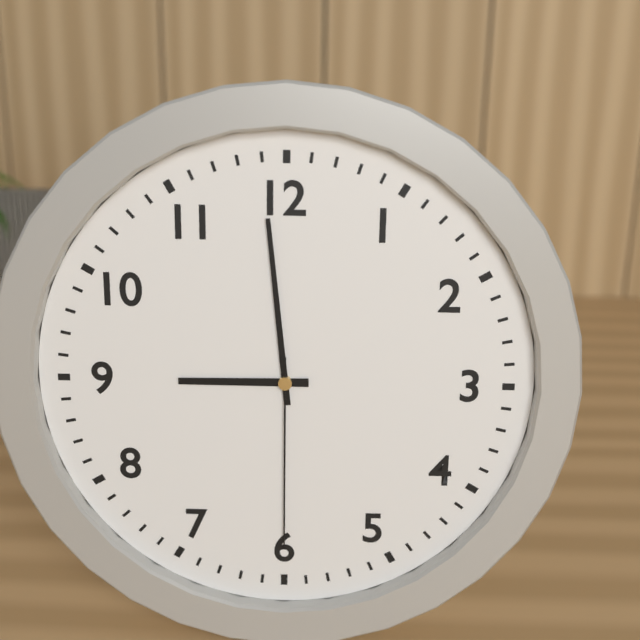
8:59:30
